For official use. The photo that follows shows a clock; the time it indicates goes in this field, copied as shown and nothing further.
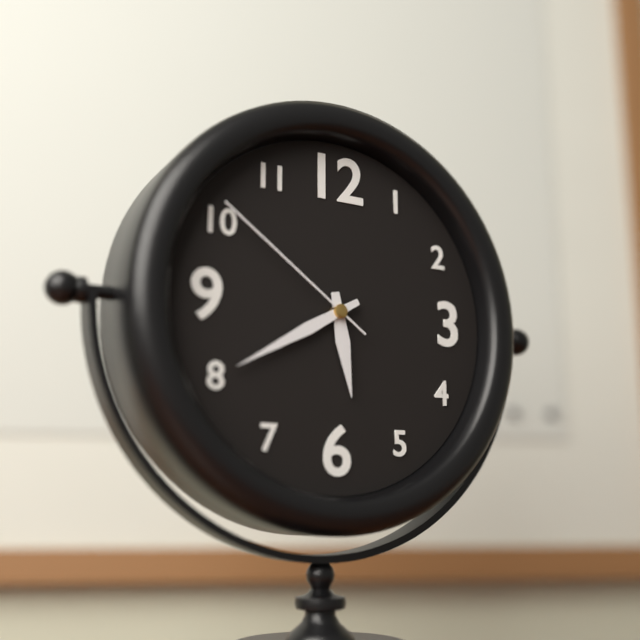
5:40:51
